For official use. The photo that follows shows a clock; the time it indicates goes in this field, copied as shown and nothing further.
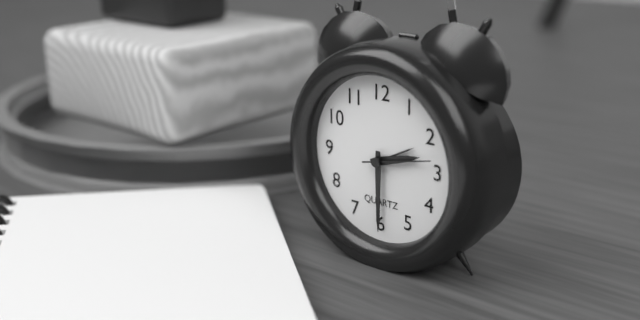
2:30:13
